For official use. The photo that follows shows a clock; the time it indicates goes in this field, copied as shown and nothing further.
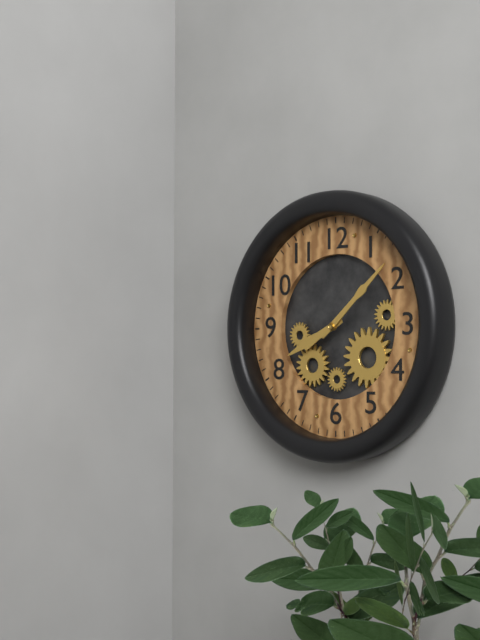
8:08
